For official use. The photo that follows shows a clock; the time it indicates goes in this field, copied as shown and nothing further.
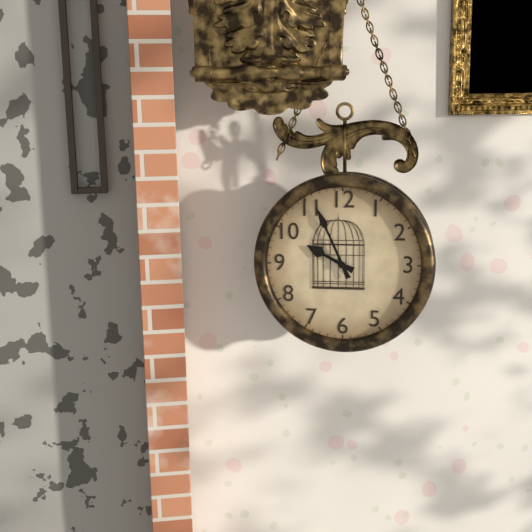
9:56
